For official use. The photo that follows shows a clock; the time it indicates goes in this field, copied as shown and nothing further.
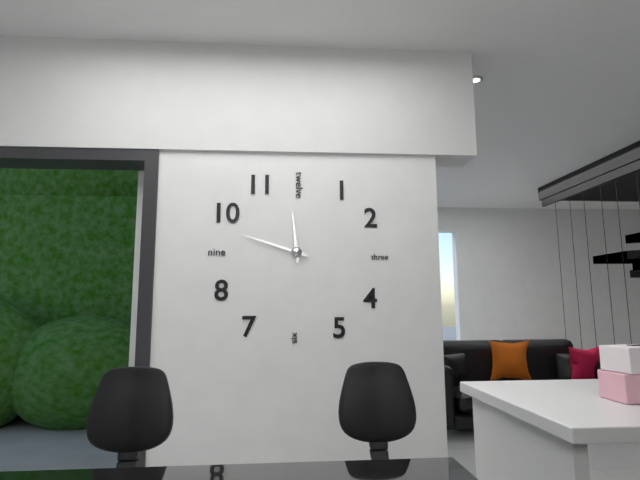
11:48
